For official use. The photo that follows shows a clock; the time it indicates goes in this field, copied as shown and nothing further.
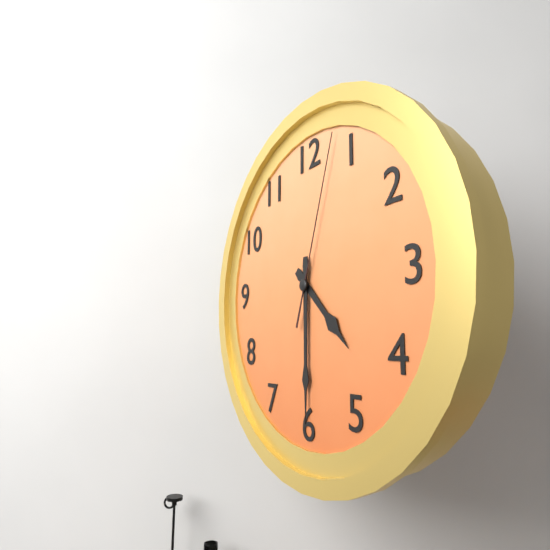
4:30:03
